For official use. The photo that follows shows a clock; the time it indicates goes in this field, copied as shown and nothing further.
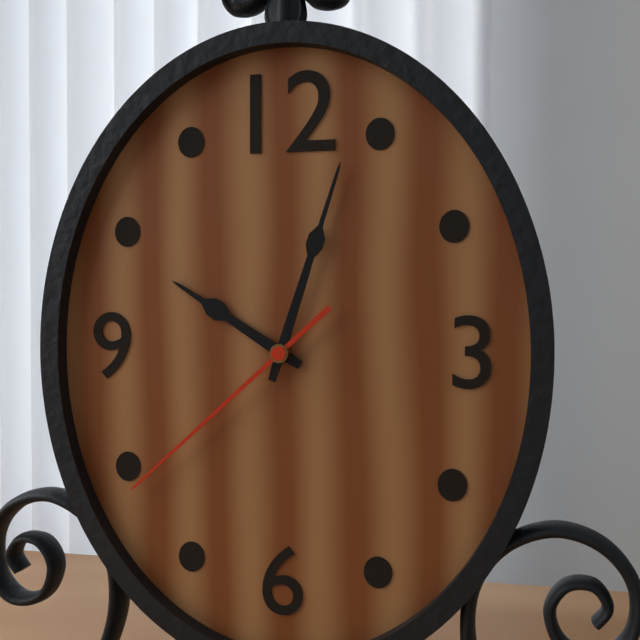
10:03:38
